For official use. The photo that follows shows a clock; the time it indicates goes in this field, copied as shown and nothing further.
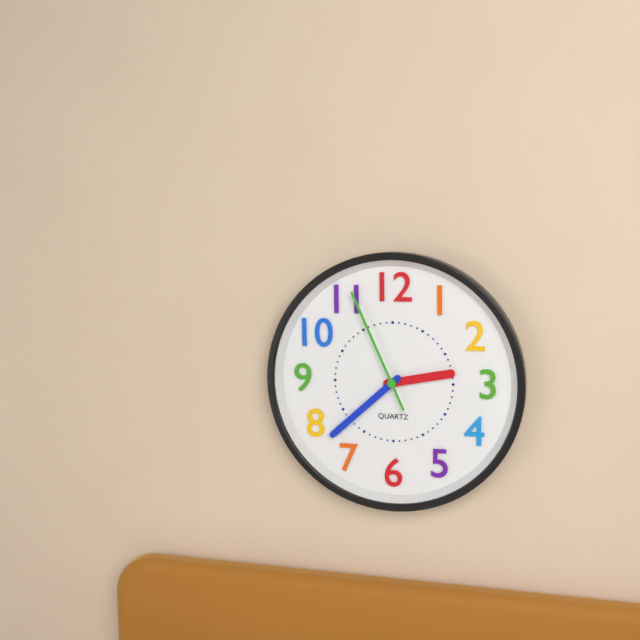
2:38:56
